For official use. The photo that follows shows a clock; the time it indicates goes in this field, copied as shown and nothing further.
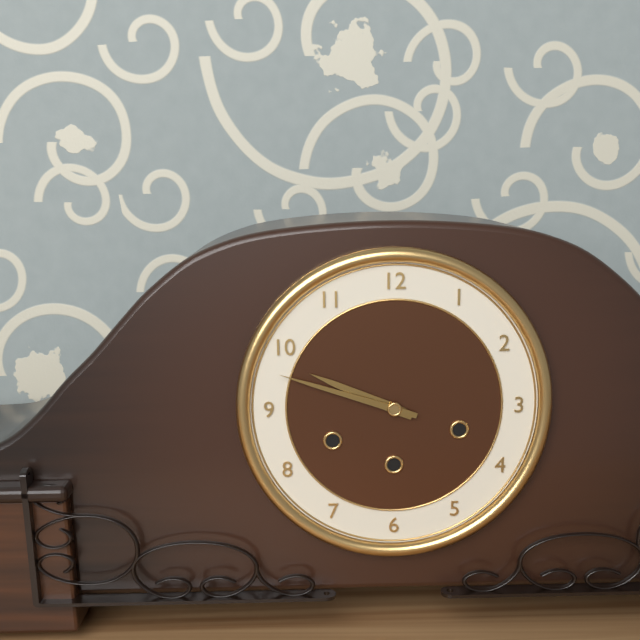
9:48
